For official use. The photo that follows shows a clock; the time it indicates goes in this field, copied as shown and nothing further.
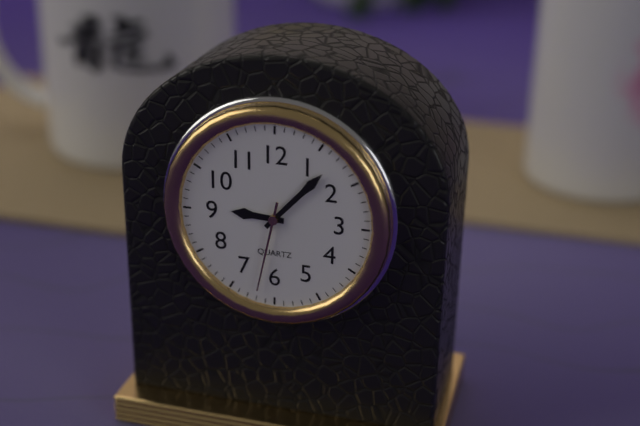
9:07:32
